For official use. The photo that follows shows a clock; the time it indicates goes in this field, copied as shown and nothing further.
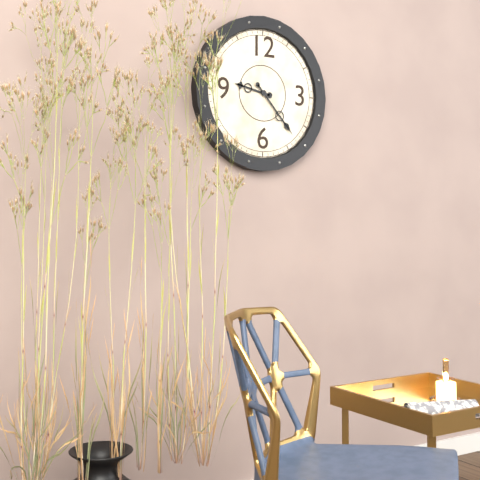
9:23
